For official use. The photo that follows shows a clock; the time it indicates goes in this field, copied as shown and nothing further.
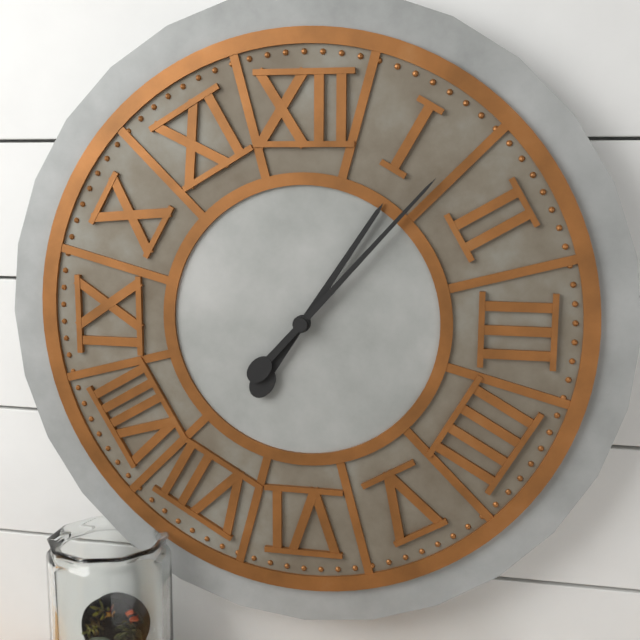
1:07
